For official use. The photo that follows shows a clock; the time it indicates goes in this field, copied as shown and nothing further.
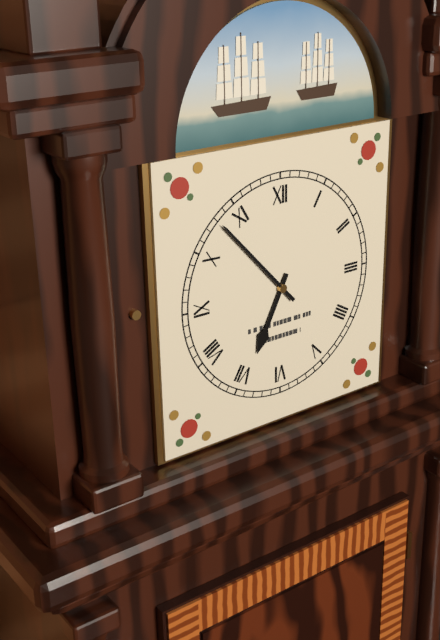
6:53
